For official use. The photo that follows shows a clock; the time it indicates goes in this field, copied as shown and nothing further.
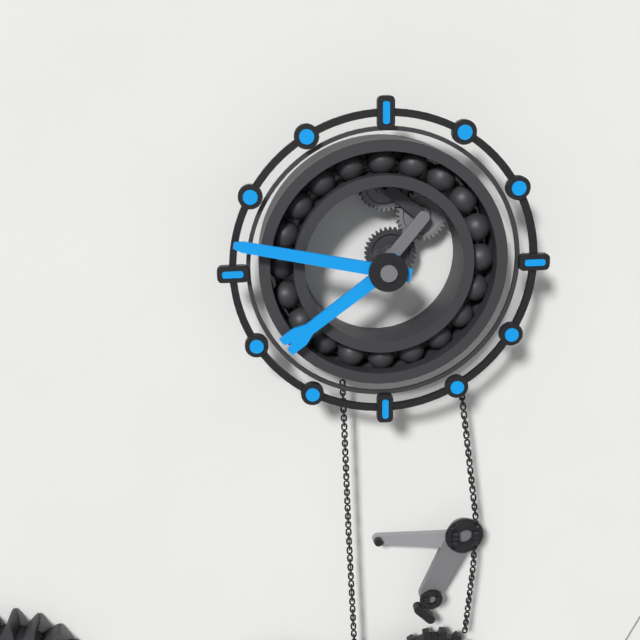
7:47
